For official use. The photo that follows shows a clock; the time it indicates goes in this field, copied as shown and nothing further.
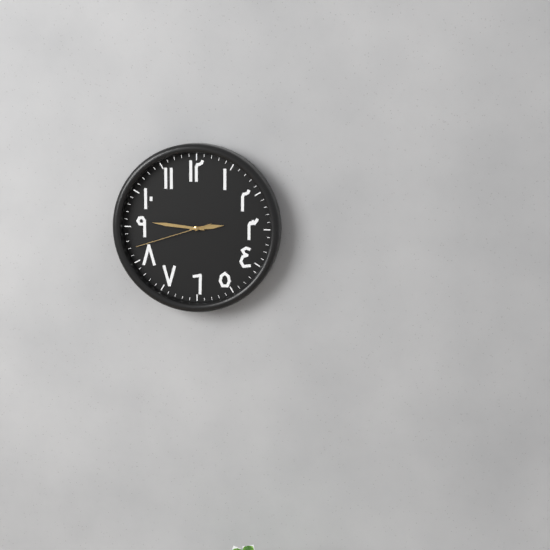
2:46:42
